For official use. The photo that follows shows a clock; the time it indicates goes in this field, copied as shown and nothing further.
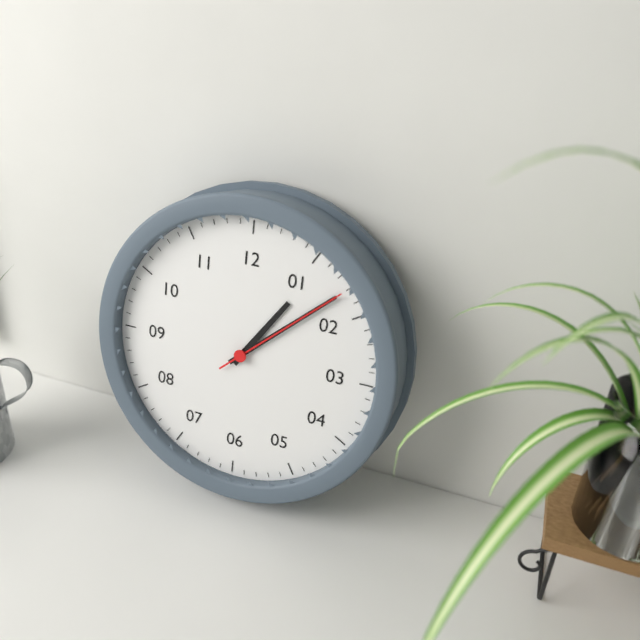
1:08:08
